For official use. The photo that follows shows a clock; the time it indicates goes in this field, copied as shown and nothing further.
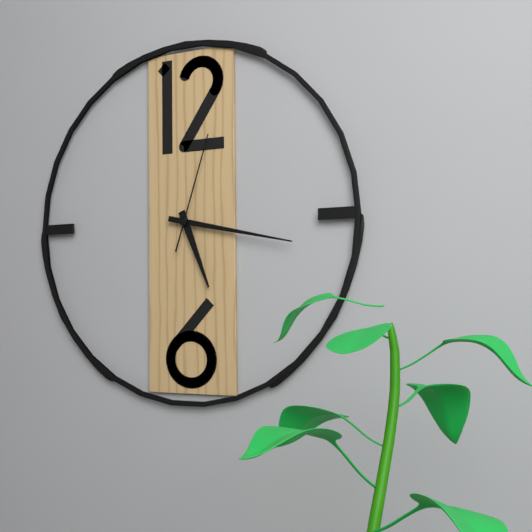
5:17:03
